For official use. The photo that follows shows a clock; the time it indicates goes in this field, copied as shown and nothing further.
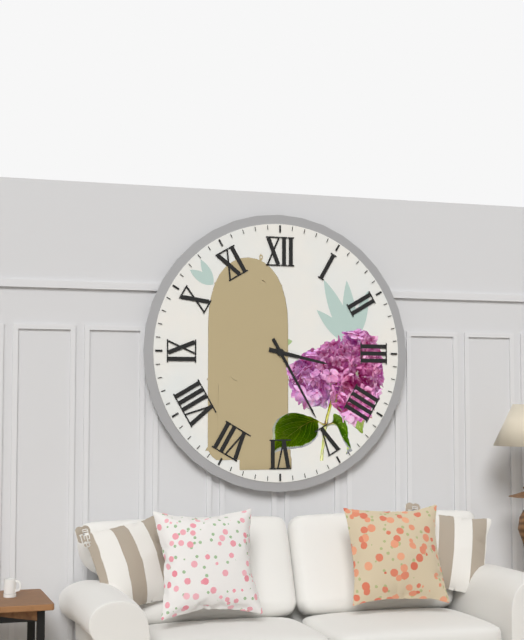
3:25
